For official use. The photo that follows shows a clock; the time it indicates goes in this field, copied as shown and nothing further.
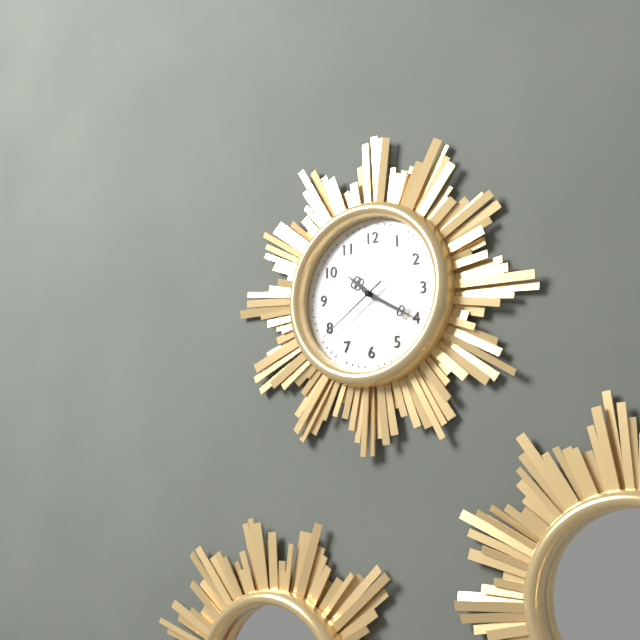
10:20:39
